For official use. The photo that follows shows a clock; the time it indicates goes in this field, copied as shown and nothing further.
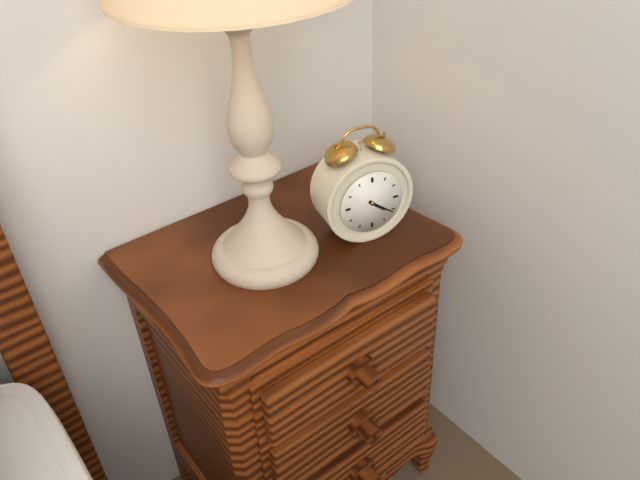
4:21
